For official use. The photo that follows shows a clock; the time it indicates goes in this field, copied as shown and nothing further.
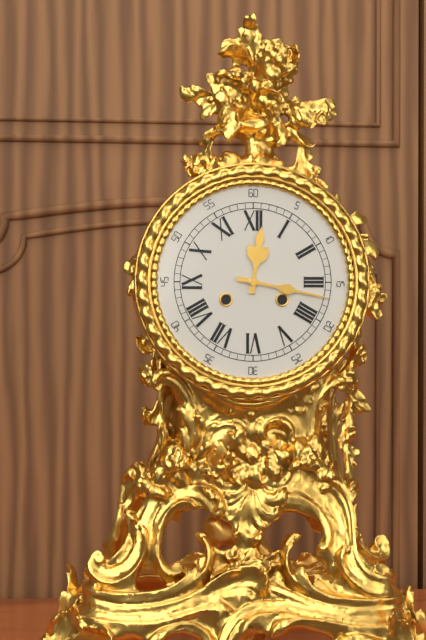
12:17
